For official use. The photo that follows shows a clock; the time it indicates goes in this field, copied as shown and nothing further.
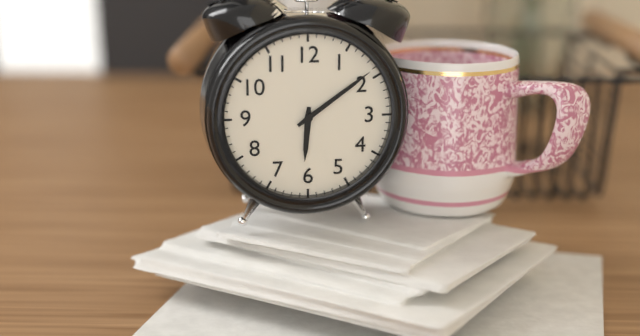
6:09
